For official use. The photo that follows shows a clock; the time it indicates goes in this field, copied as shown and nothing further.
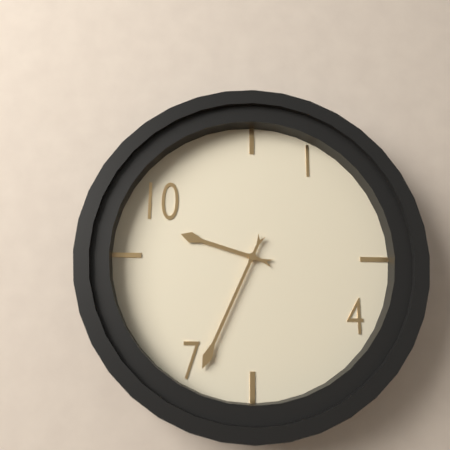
9:34
